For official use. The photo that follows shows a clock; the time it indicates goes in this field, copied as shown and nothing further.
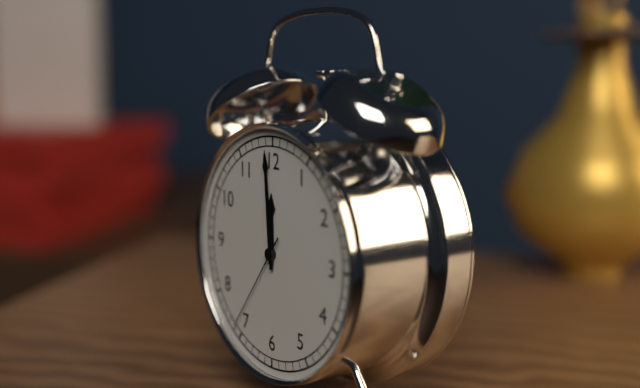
11:59:36
